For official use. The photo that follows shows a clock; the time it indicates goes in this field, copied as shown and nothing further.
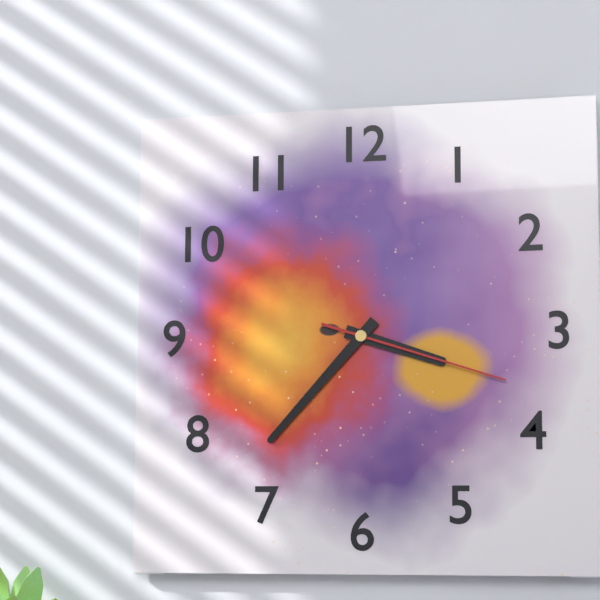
3:37:18
